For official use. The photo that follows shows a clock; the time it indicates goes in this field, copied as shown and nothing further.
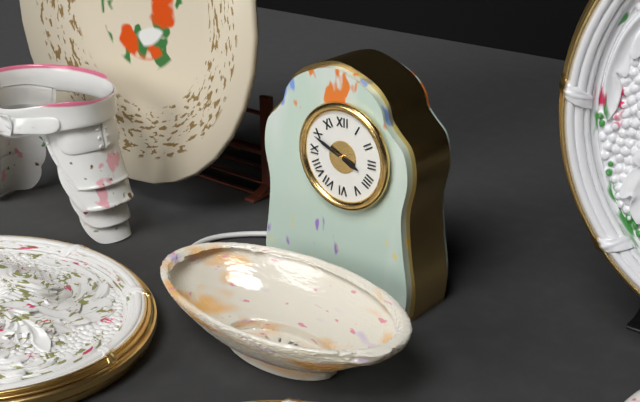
3:49
